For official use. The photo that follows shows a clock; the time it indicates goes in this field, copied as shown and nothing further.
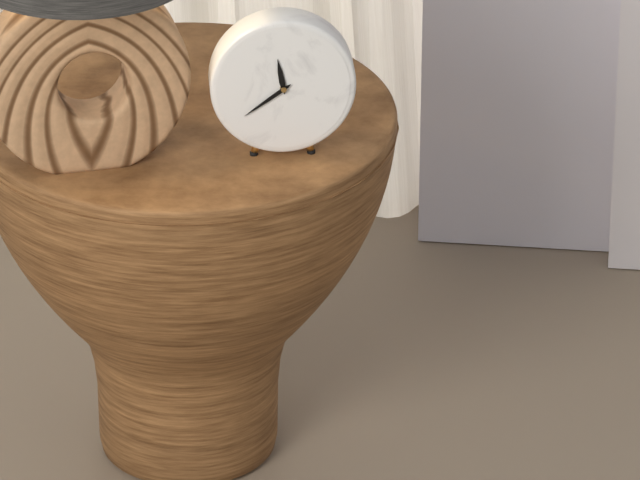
11:39
